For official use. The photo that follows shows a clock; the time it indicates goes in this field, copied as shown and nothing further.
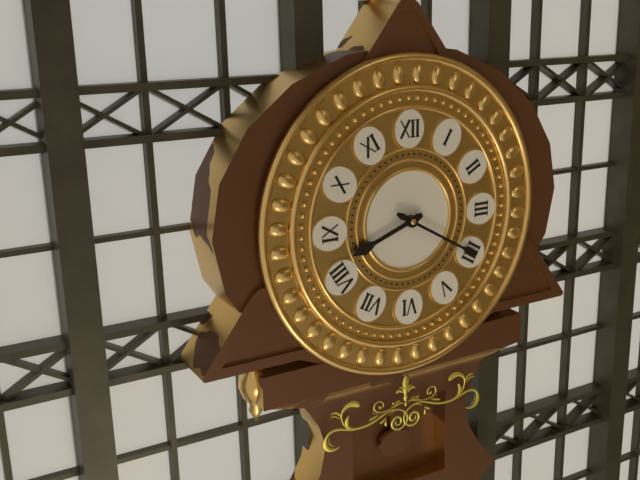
8:20
